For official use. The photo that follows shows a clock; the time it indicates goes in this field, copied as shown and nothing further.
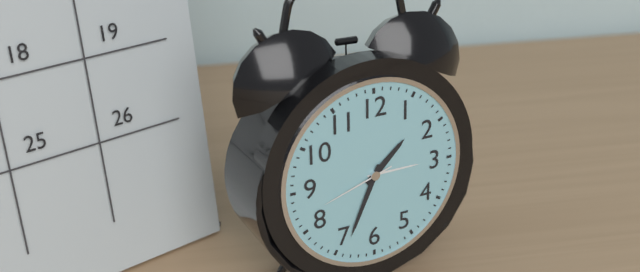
1:34:42
